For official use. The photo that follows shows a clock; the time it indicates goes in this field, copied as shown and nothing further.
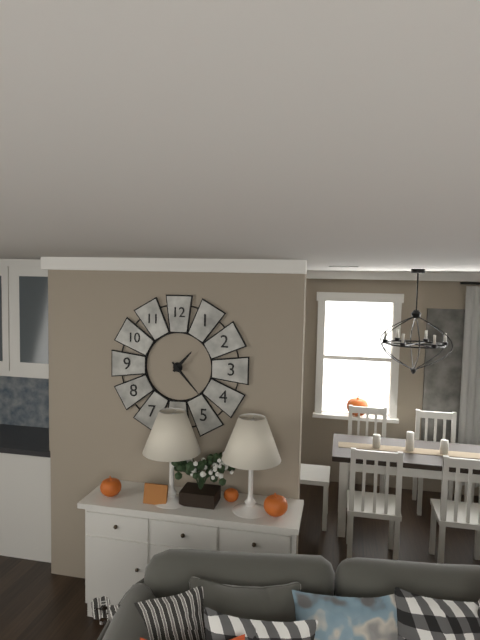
1:23
